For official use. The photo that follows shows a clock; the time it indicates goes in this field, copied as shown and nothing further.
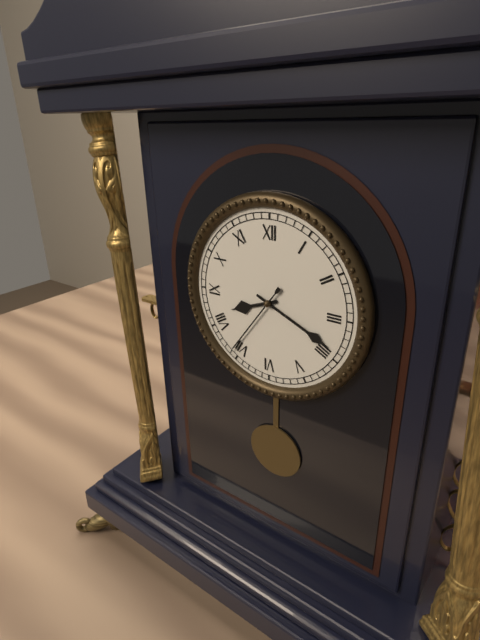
8:19:36
